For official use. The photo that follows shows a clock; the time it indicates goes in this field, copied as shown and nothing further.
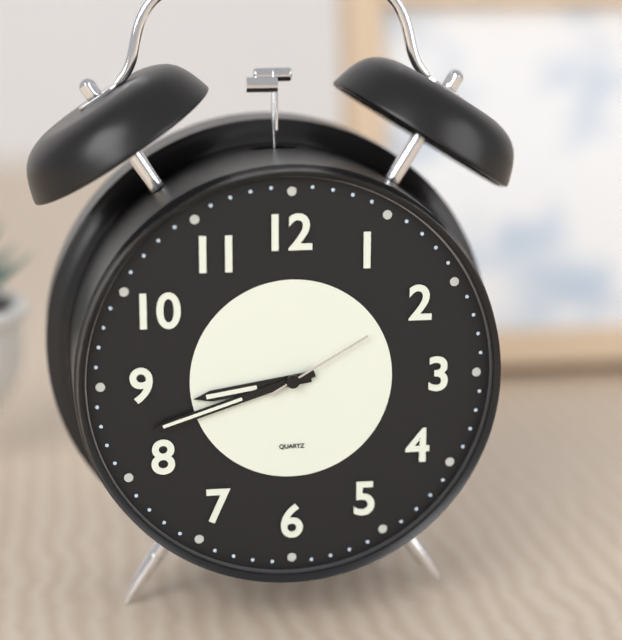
8:42:10
